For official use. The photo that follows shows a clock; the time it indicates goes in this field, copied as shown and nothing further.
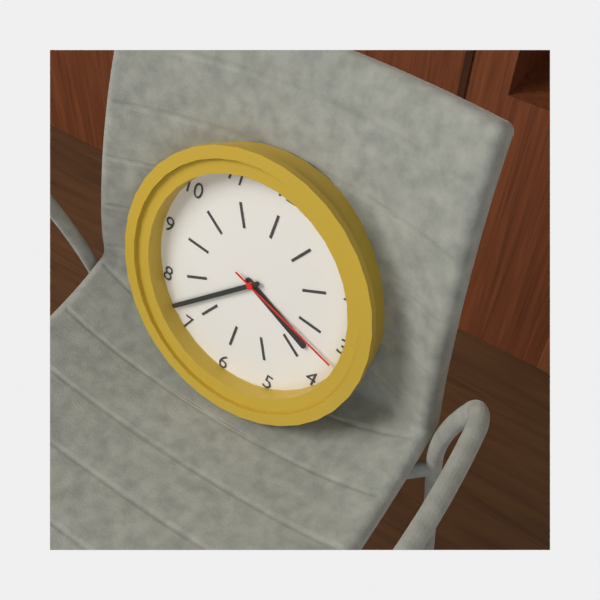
3:37:17
